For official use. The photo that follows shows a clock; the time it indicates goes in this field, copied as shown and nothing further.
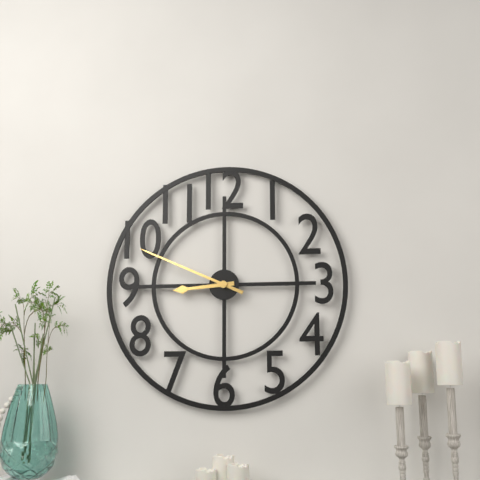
8:49
